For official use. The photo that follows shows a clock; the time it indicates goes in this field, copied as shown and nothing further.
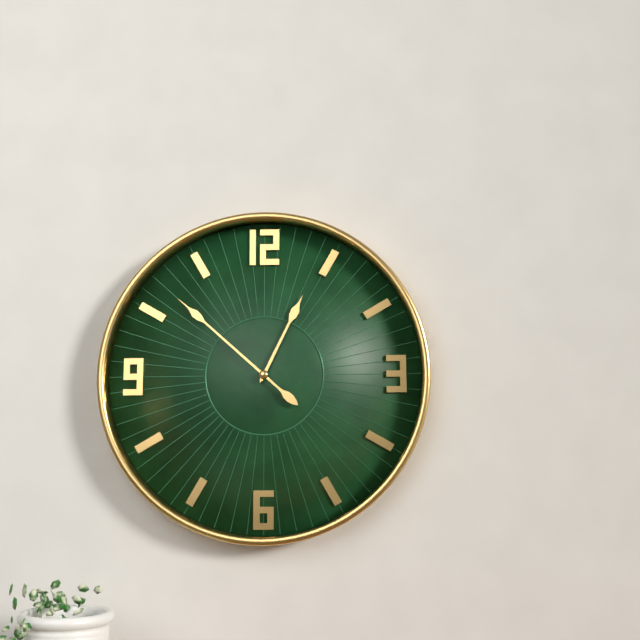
12:52
